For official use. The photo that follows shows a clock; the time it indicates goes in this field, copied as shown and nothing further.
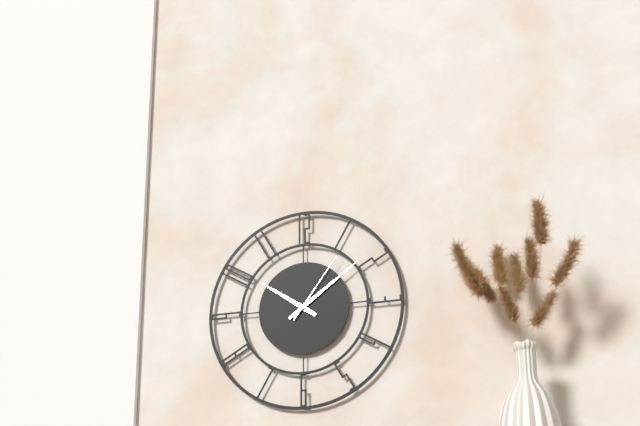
10:09:06
